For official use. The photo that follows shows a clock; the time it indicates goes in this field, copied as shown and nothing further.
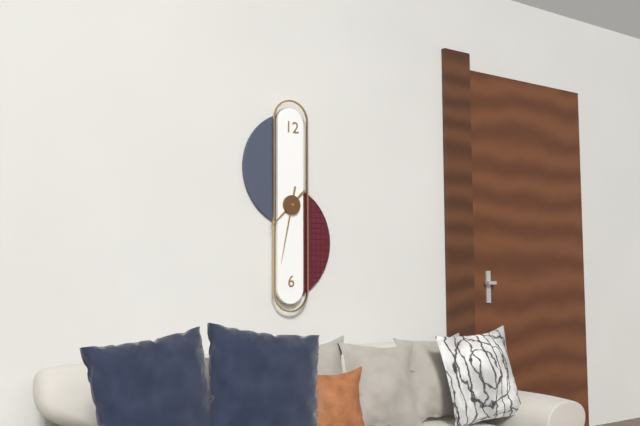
7:32
